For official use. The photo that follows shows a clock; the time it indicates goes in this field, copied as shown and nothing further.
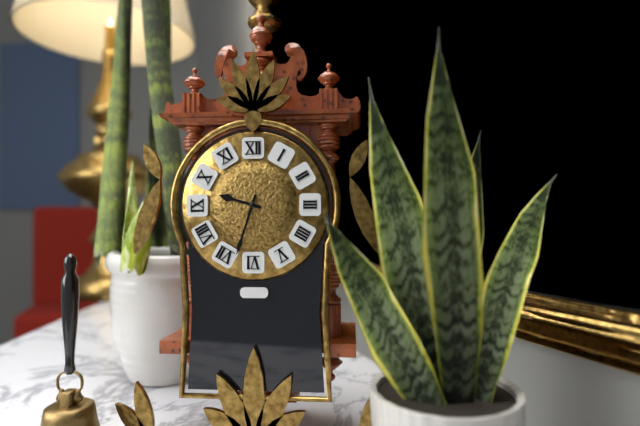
9:33
